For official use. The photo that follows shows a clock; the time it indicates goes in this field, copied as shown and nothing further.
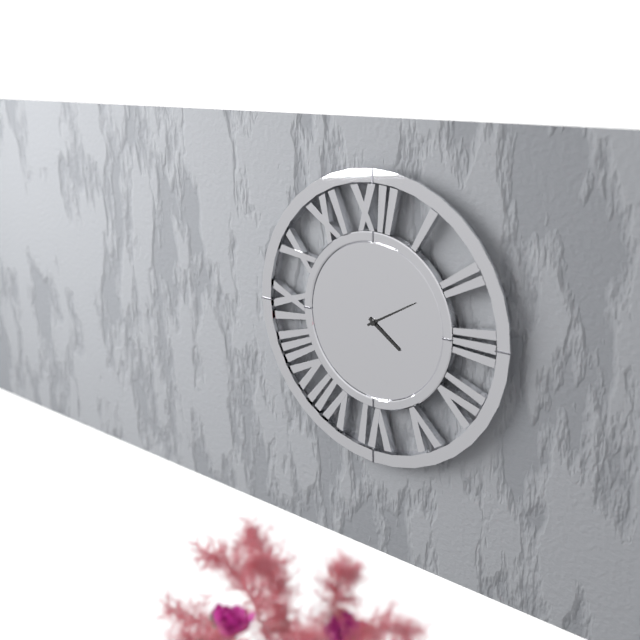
4:10
